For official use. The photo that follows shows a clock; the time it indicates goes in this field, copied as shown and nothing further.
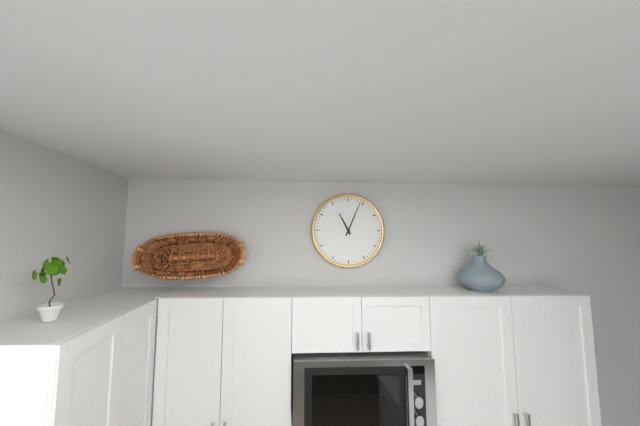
11:04
